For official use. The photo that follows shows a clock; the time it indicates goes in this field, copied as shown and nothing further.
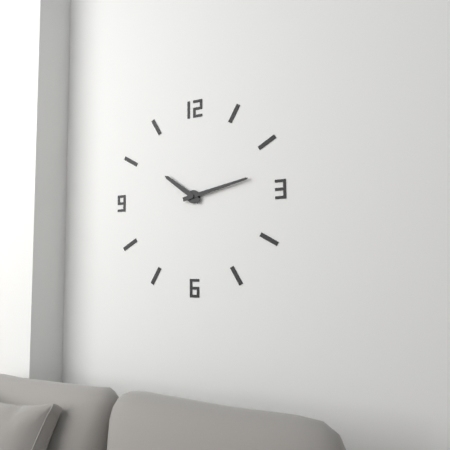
10:13
